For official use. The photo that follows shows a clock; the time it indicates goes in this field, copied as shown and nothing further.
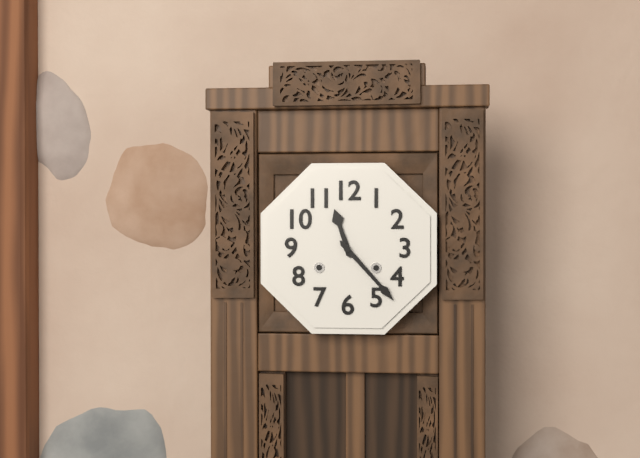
11:23
